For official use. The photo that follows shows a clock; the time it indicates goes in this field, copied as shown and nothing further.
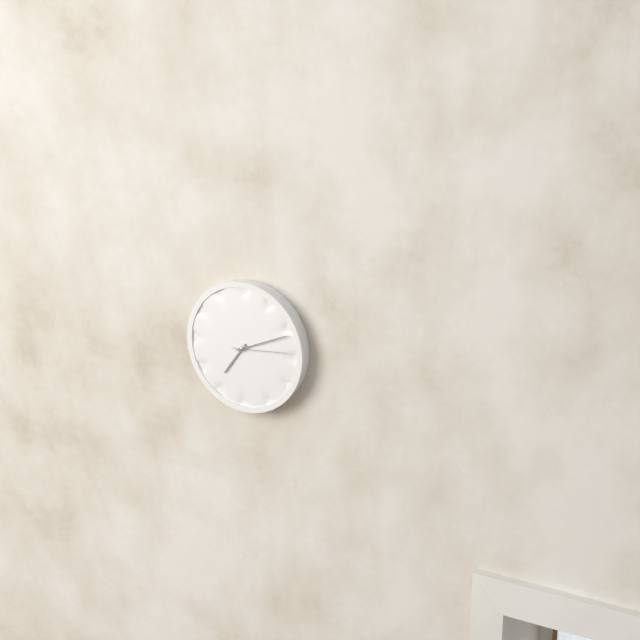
7:11:14
